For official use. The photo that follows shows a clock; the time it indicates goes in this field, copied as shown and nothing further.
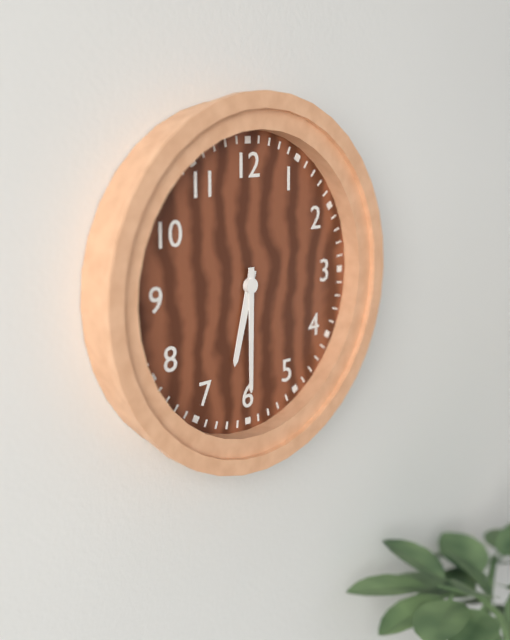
6:30
